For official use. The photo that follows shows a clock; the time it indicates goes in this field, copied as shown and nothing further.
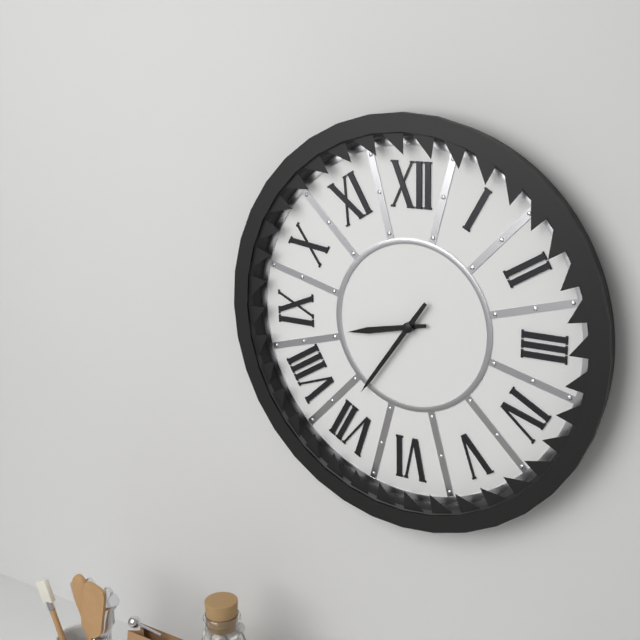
8:36
